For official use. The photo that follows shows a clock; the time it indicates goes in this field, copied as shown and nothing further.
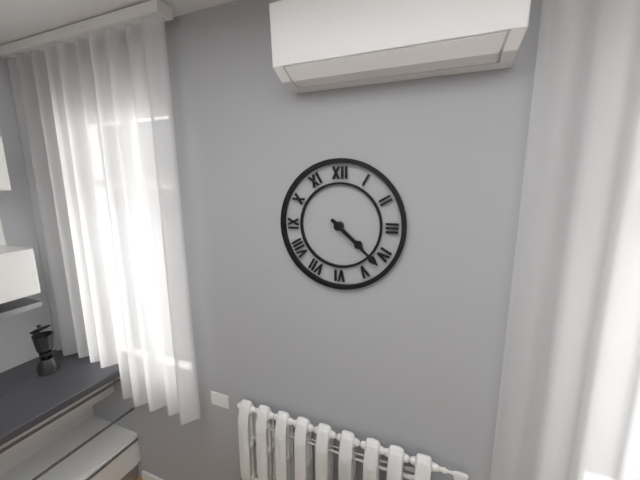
4:22
